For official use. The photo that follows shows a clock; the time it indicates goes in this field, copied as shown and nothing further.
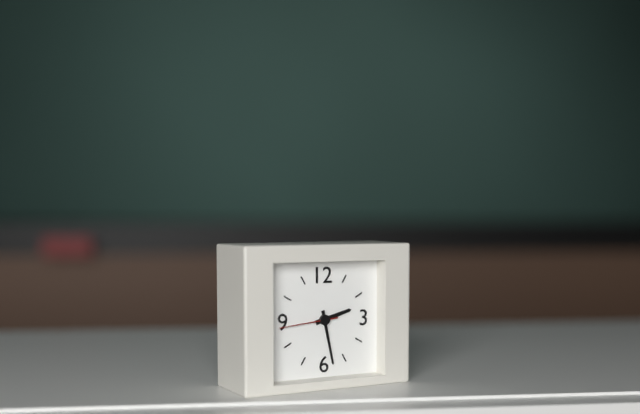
2:28:44
